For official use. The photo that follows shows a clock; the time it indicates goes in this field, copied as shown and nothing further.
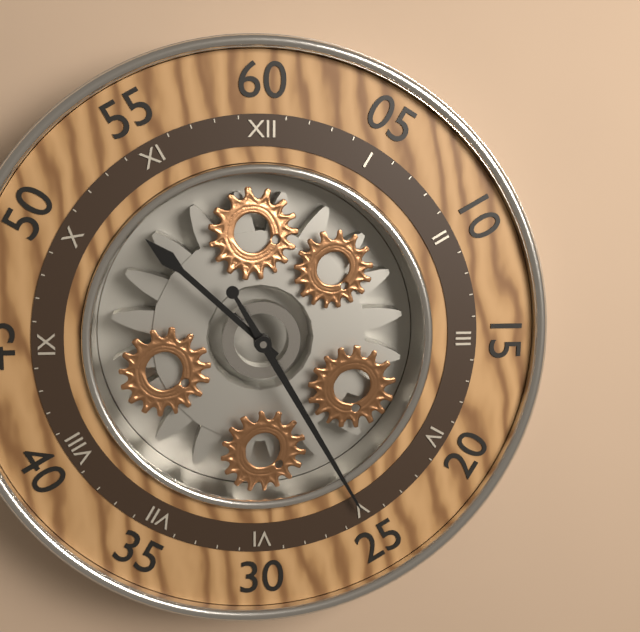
10:25
